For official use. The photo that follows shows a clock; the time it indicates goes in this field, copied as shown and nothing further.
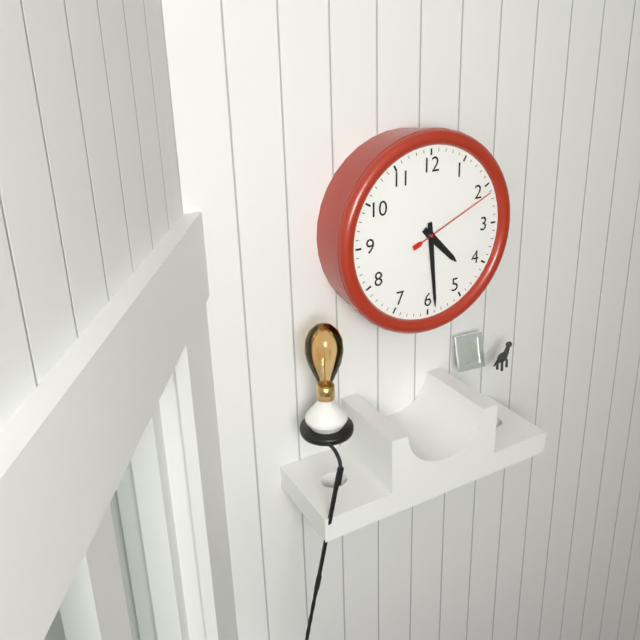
4:29:11
